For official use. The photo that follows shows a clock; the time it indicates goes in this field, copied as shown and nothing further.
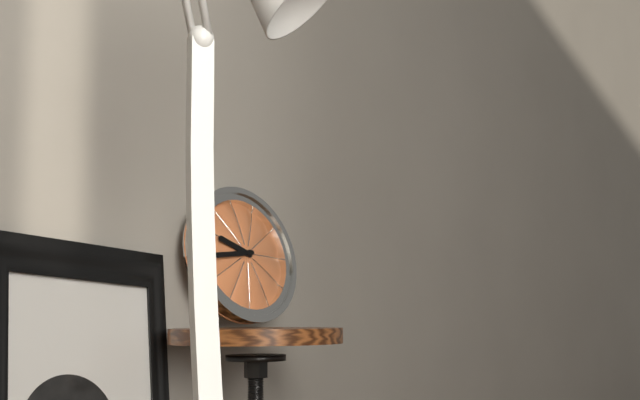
9:44
